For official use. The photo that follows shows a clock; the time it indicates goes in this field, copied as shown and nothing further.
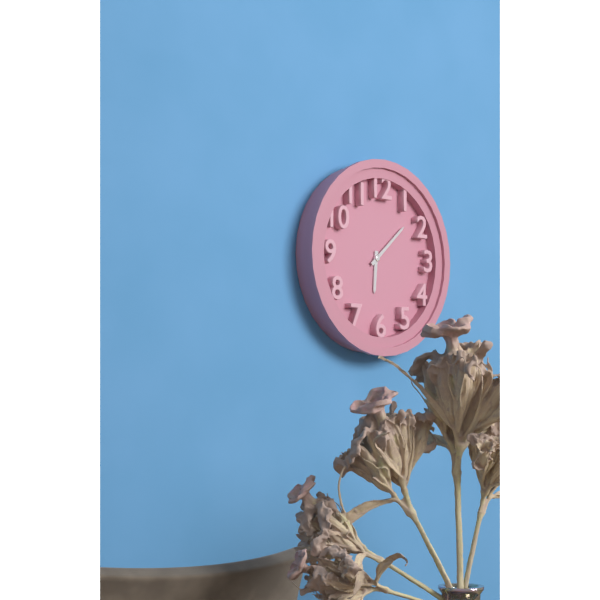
6:08
